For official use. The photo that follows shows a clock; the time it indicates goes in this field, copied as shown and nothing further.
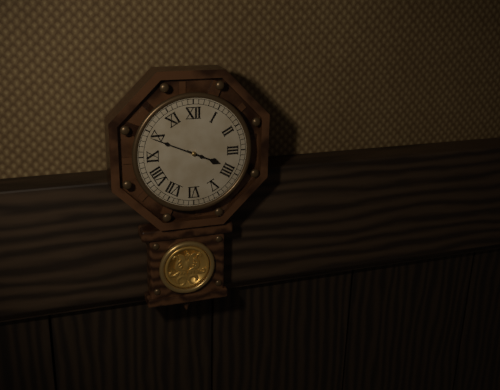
3:49
